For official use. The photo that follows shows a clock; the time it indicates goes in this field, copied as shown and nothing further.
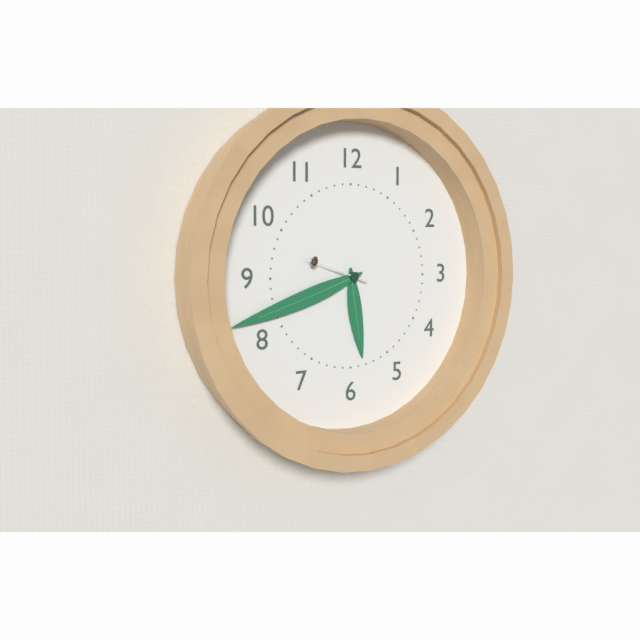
5:42:48
